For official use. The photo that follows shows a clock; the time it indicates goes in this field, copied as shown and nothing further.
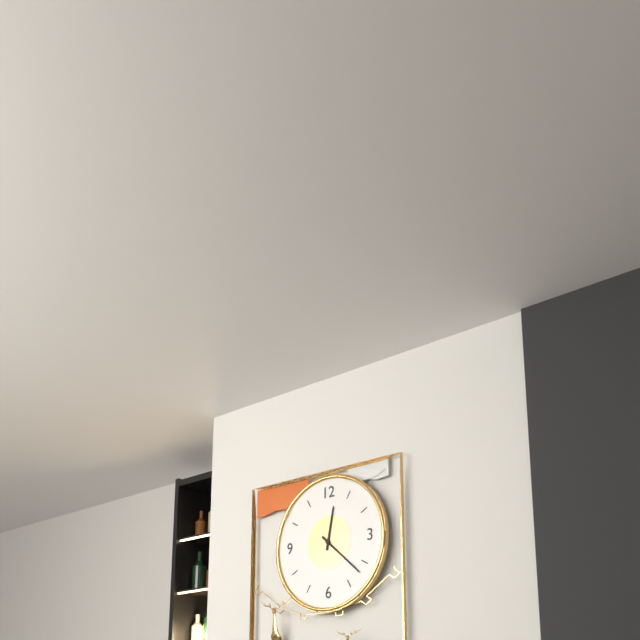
12:22
